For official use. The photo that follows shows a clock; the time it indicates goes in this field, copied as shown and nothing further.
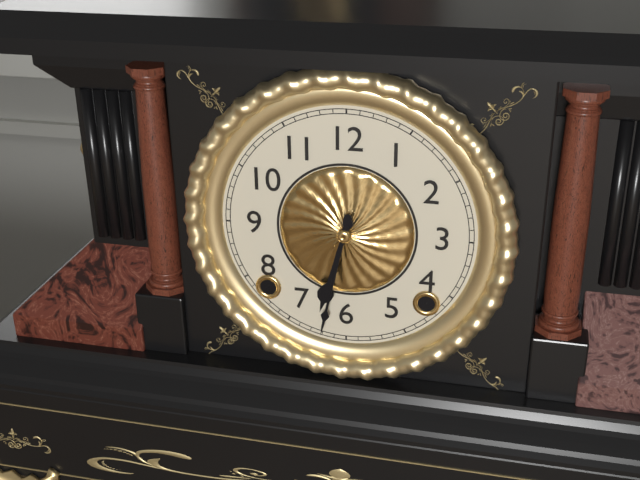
6:32
